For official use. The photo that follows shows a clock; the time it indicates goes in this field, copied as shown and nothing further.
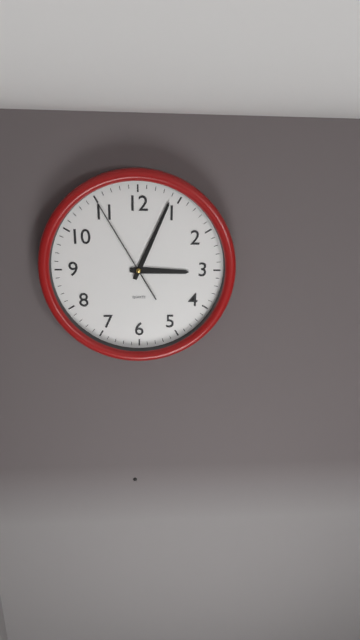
3:04:55
